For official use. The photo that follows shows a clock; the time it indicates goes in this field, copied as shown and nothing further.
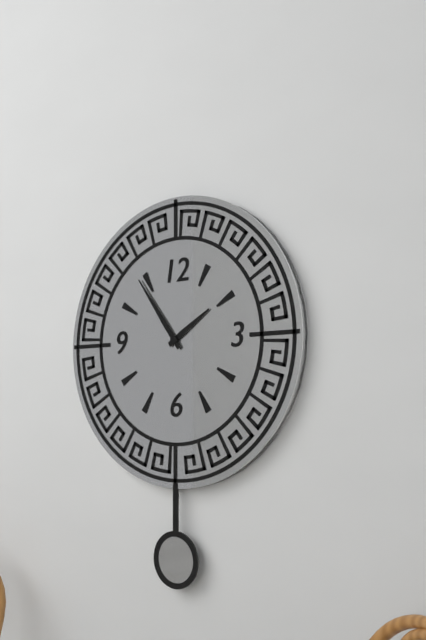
1:54
